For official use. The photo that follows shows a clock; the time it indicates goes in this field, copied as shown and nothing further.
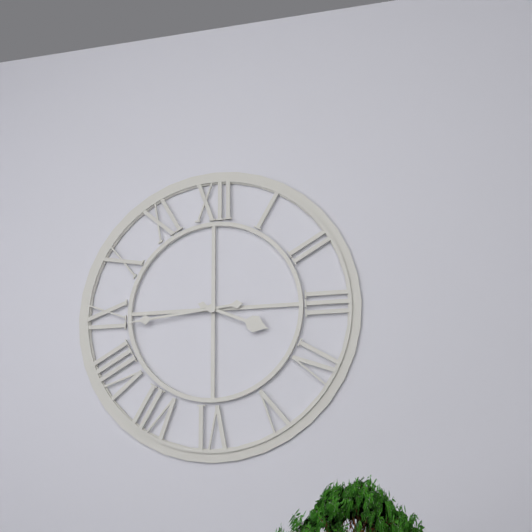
3:44
